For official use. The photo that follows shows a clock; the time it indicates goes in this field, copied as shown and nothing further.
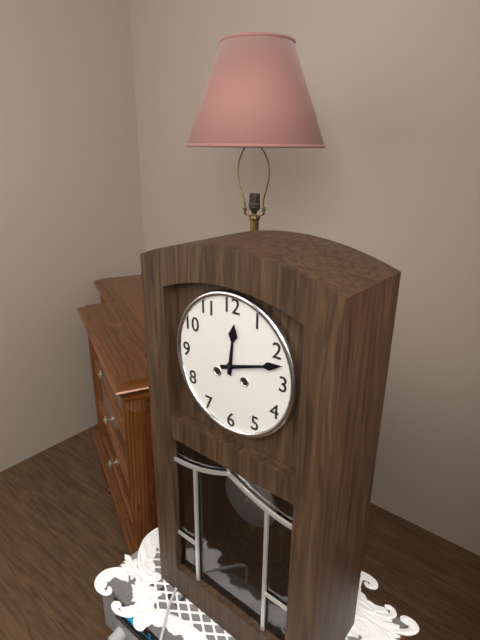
12:12
